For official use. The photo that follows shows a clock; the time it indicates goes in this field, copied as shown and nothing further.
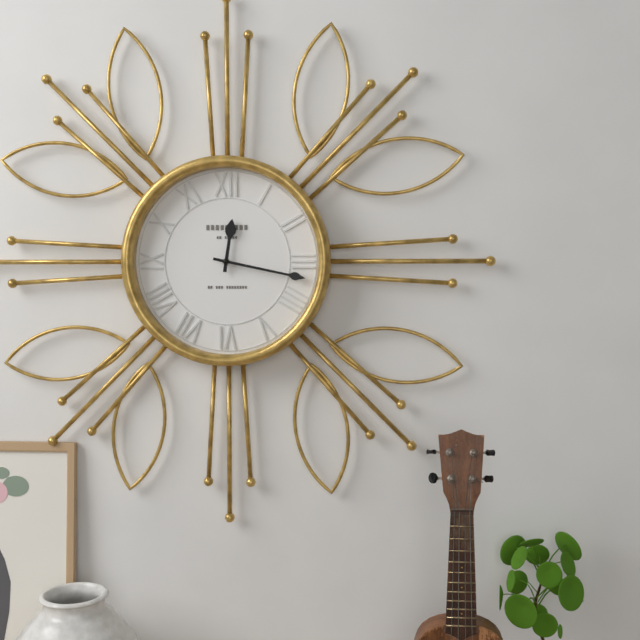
12:17
